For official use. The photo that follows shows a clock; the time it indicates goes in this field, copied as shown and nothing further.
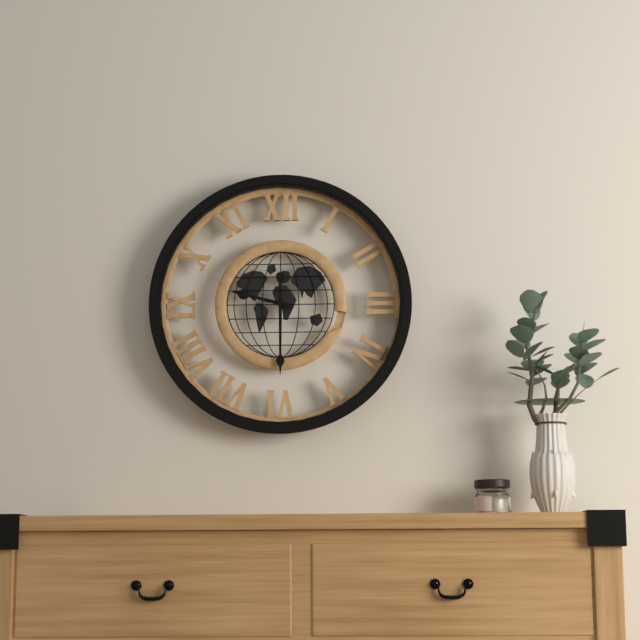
9:30
